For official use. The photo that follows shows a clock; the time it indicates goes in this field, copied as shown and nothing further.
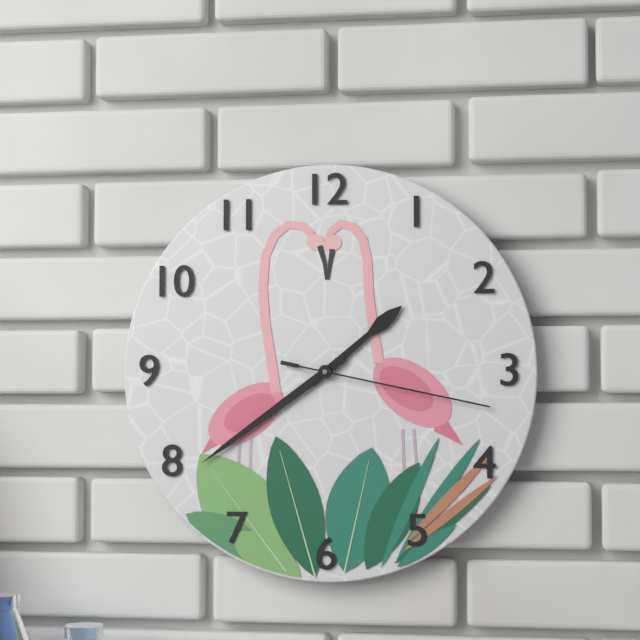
1:39:17
